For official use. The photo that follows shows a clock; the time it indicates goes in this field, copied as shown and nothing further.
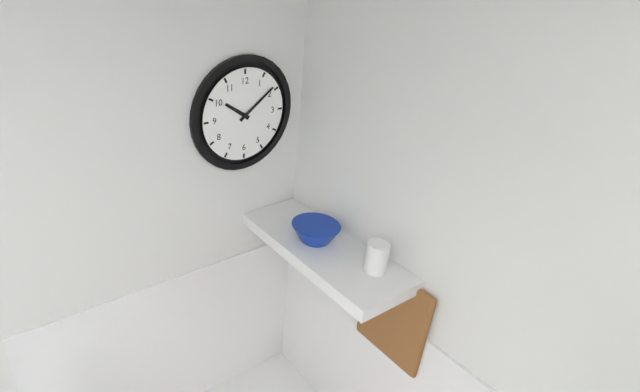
10:09
